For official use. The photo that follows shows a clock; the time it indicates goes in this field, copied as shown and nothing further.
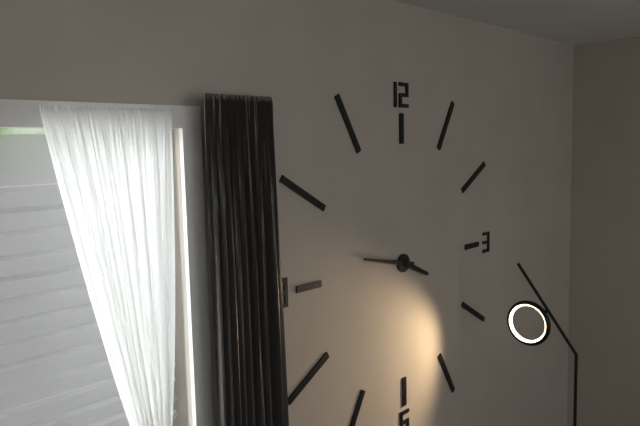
3:47
